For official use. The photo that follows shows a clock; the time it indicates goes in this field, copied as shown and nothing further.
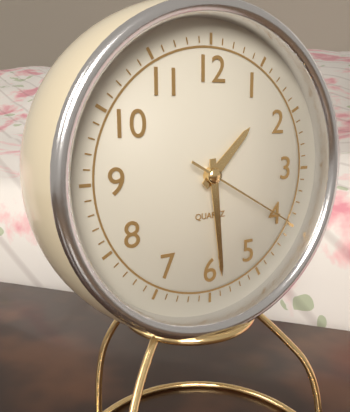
1:29:20
